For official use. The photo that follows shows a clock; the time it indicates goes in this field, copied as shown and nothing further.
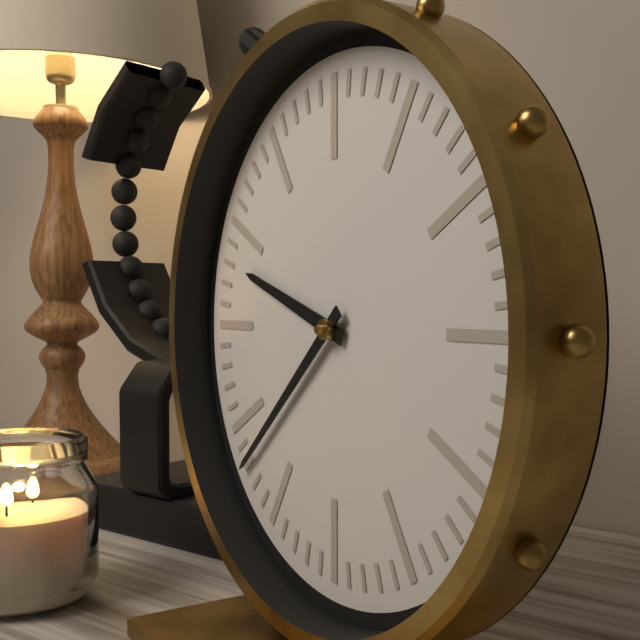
9:38
